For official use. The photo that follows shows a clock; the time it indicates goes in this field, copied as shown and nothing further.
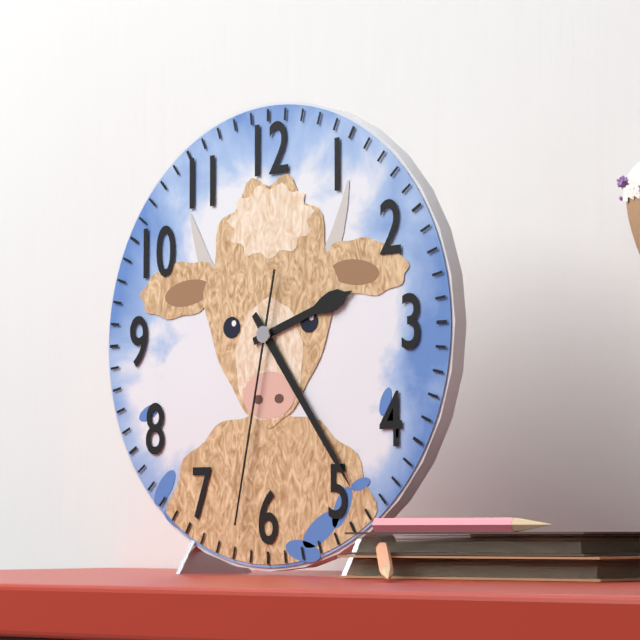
2:24:32
